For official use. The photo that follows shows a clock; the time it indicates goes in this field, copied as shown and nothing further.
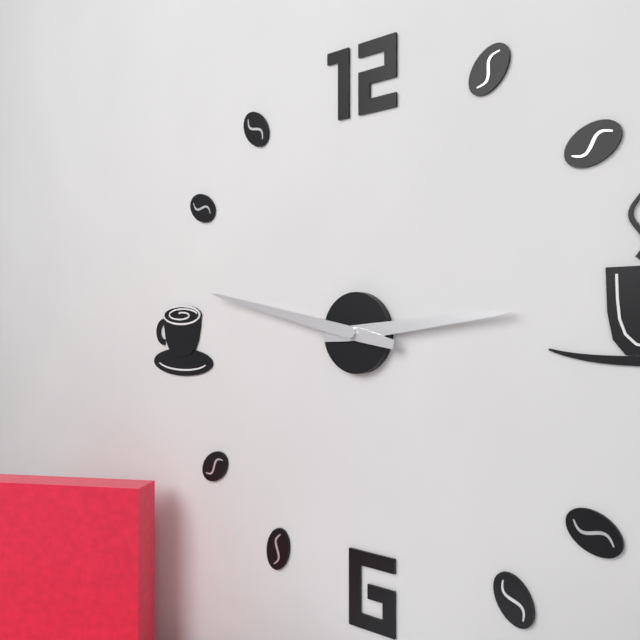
2:47
